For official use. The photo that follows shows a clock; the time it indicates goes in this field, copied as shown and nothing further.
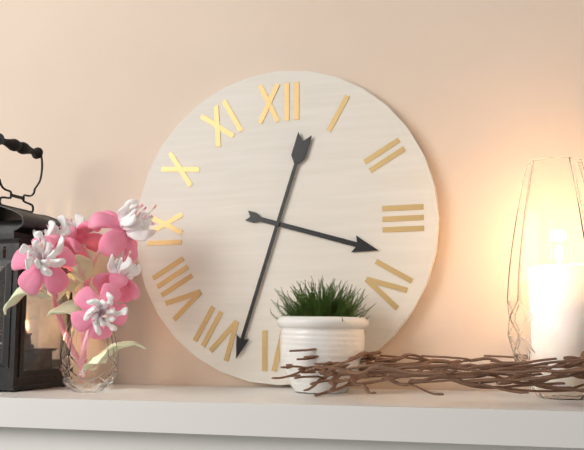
3:33
